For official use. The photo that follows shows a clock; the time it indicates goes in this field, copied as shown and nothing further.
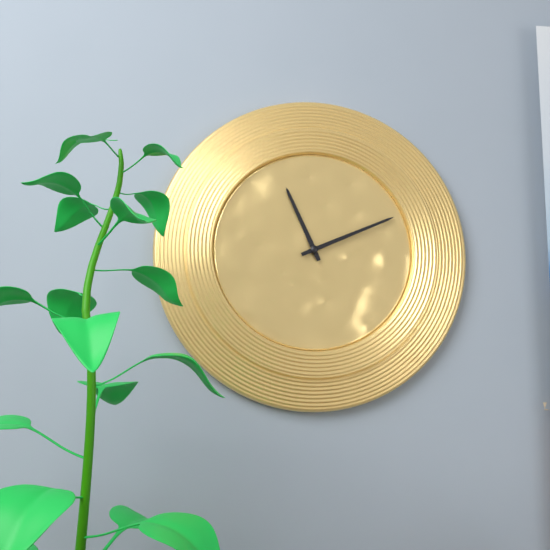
11:11
